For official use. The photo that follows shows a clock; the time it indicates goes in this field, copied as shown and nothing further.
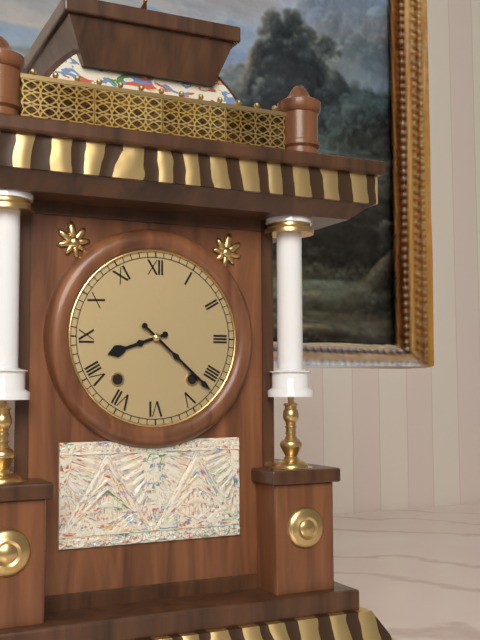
8:22
